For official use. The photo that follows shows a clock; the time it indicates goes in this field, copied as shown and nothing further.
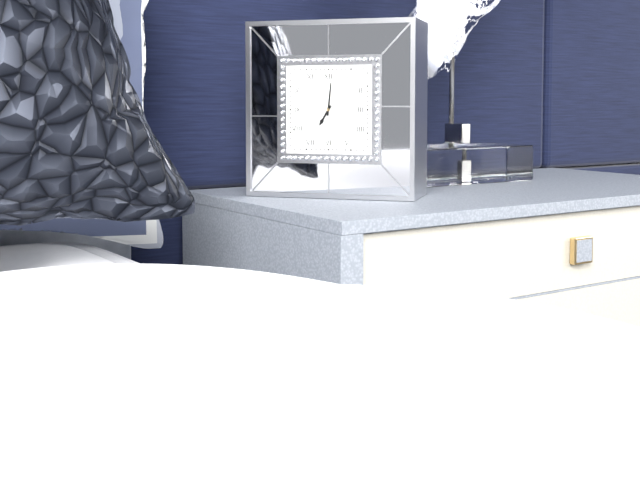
7:01
